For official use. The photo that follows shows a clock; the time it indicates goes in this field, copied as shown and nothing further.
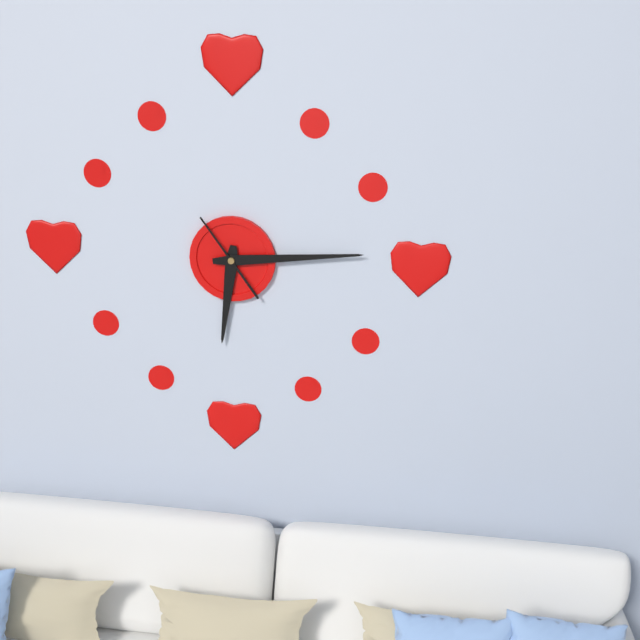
6:14:54
